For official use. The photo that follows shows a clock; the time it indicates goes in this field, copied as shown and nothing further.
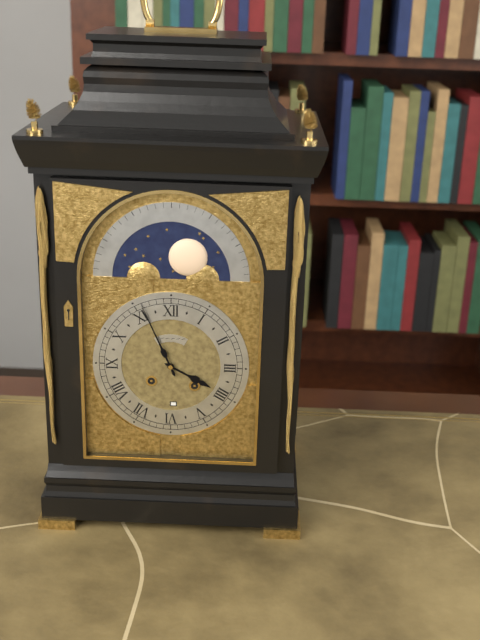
3:56
